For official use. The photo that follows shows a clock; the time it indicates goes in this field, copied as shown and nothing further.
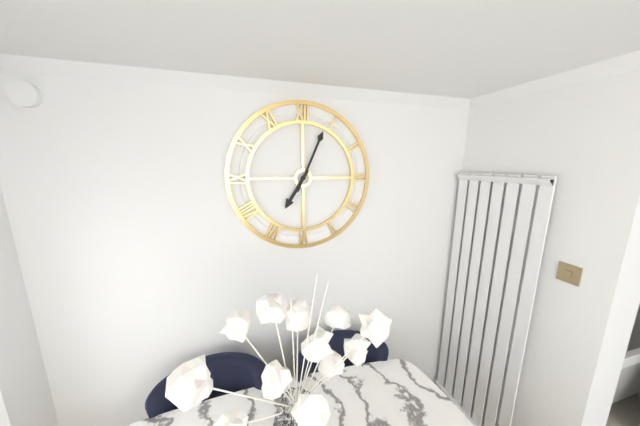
7:04
